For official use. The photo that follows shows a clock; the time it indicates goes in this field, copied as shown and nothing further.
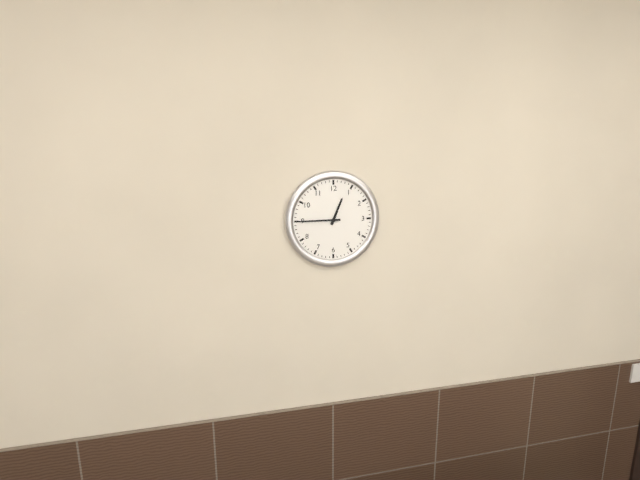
12:45
